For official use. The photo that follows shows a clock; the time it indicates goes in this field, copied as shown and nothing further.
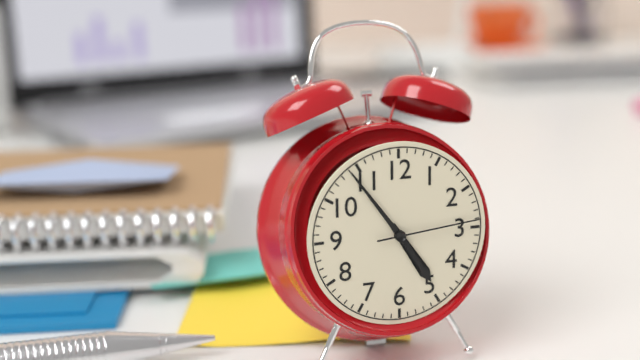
4:54:14
